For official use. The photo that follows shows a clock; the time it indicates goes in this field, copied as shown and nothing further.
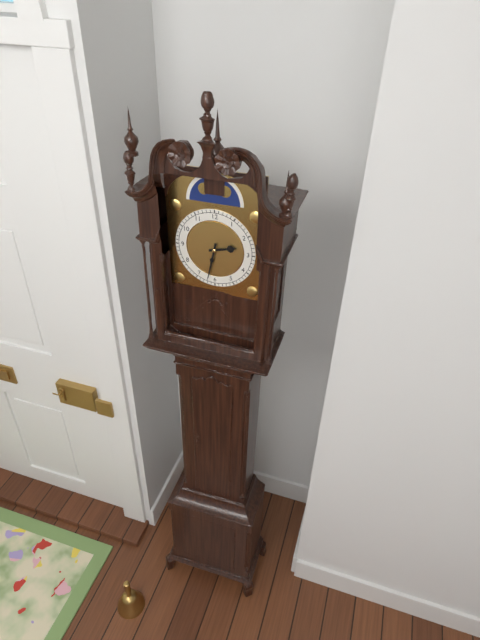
2:32
